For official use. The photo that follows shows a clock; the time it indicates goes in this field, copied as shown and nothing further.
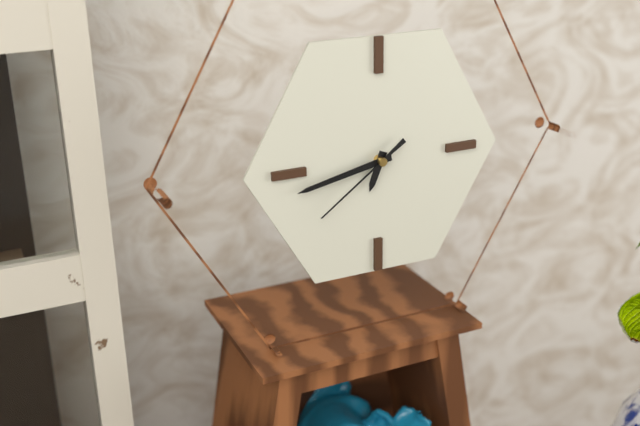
6:43:39
